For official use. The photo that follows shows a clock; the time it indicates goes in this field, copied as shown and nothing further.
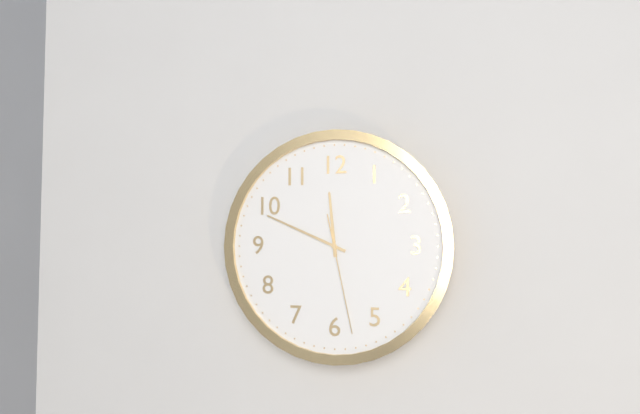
11:49:28
